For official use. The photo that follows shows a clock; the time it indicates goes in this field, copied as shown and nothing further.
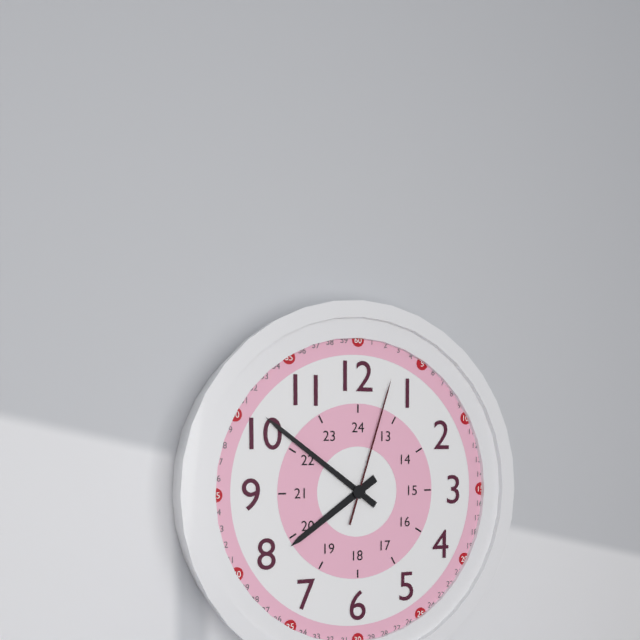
7:51:03
